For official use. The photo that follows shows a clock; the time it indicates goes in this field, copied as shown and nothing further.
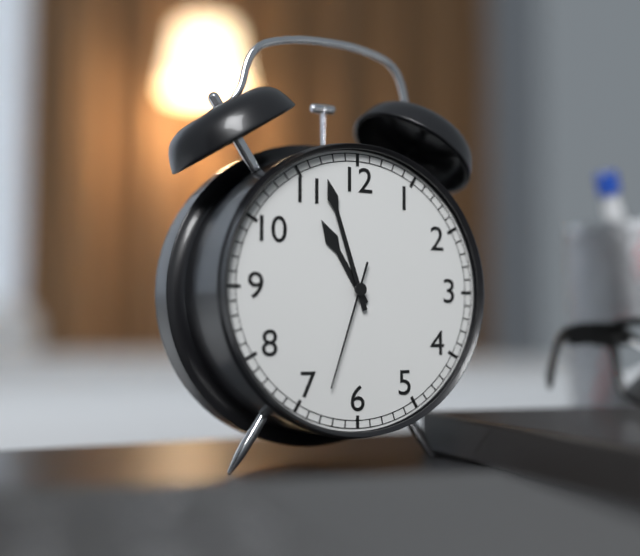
10:57:33
